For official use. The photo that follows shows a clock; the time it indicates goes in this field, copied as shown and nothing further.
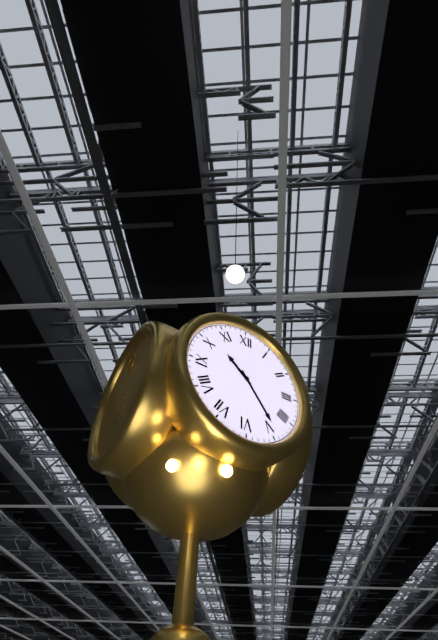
10:24
